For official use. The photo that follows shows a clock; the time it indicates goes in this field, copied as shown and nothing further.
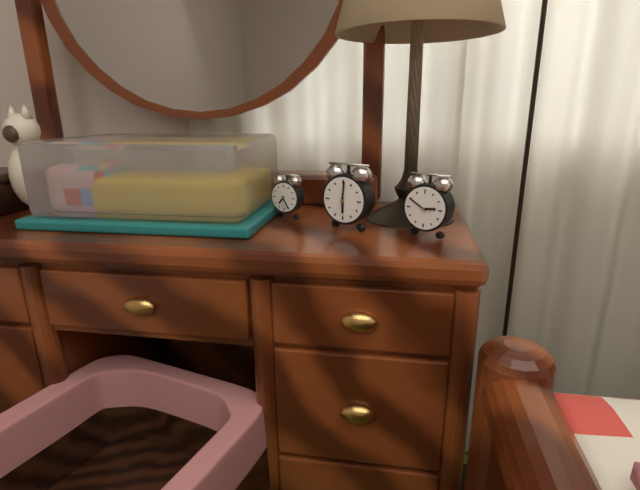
6:01
